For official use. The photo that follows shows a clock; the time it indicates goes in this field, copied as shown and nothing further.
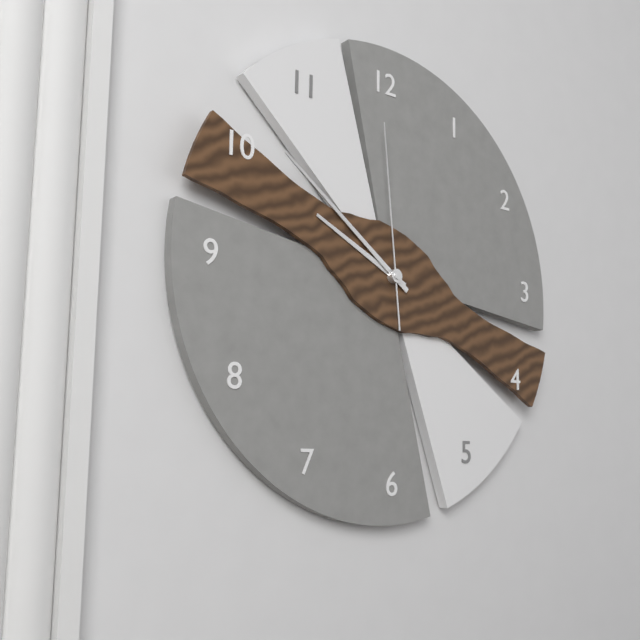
9:51:59
